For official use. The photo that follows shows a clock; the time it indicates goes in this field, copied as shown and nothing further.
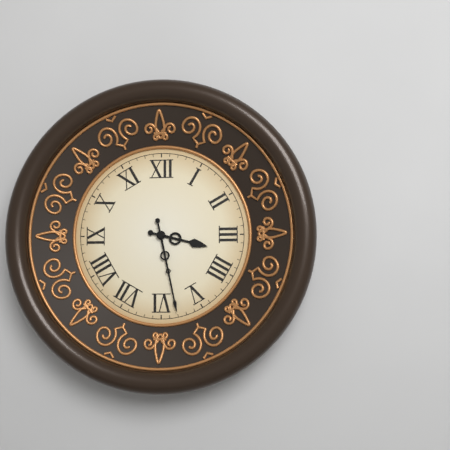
3:28
